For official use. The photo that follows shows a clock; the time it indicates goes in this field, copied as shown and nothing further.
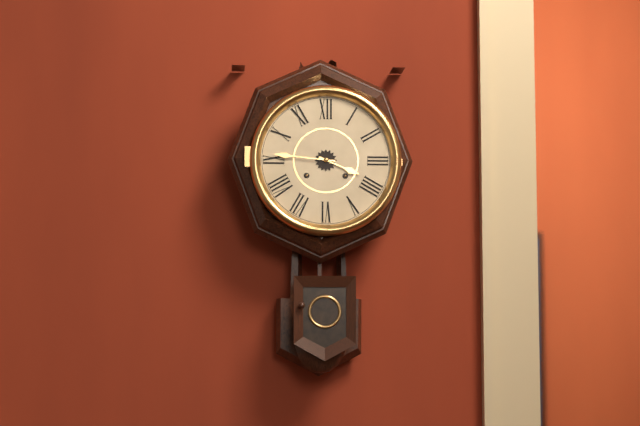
3:46
